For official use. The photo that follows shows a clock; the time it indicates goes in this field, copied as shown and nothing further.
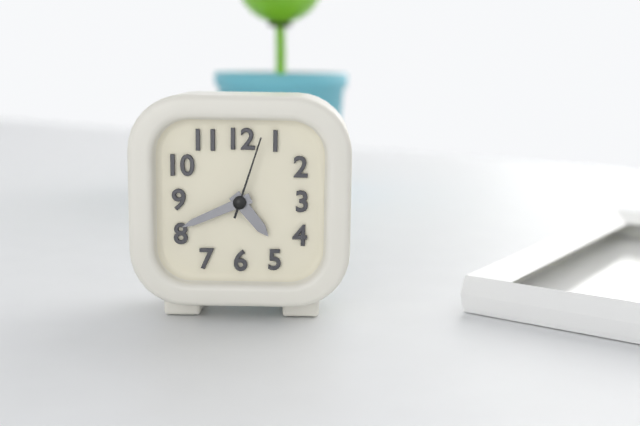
4:41:03
